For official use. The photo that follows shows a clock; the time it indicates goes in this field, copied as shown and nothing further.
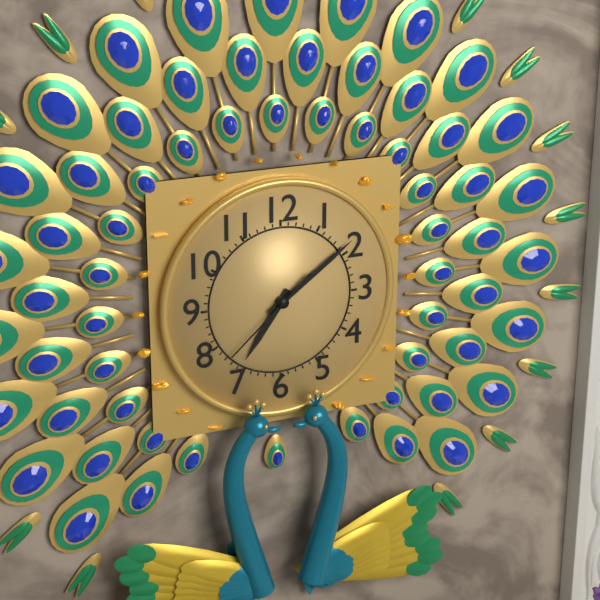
7:09:38
